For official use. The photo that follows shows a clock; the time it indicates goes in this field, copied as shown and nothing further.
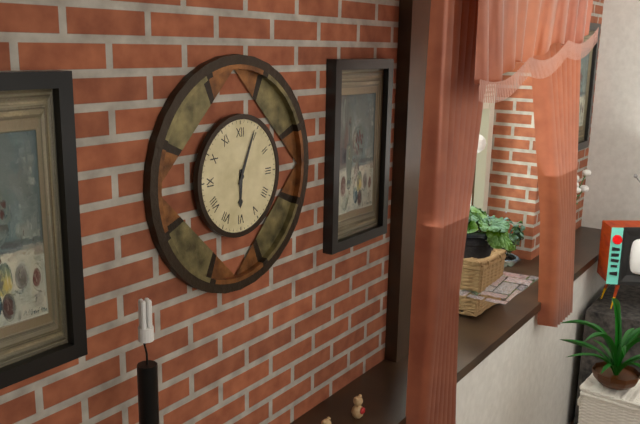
6:04
